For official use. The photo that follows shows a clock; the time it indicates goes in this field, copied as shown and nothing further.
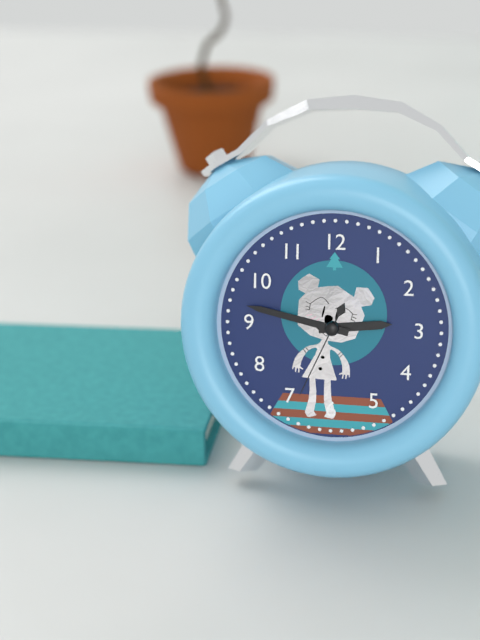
2:47:34
